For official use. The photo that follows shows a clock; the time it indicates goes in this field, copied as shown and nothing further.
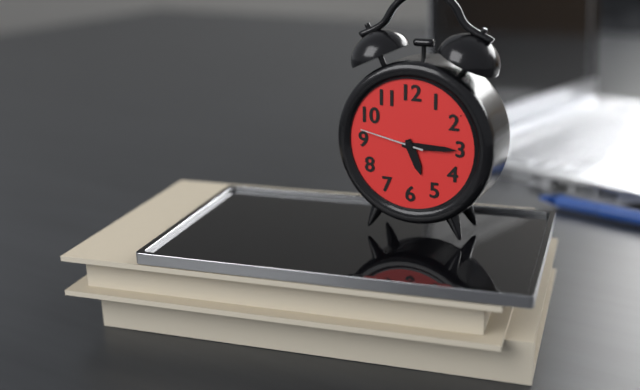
5:15:47
